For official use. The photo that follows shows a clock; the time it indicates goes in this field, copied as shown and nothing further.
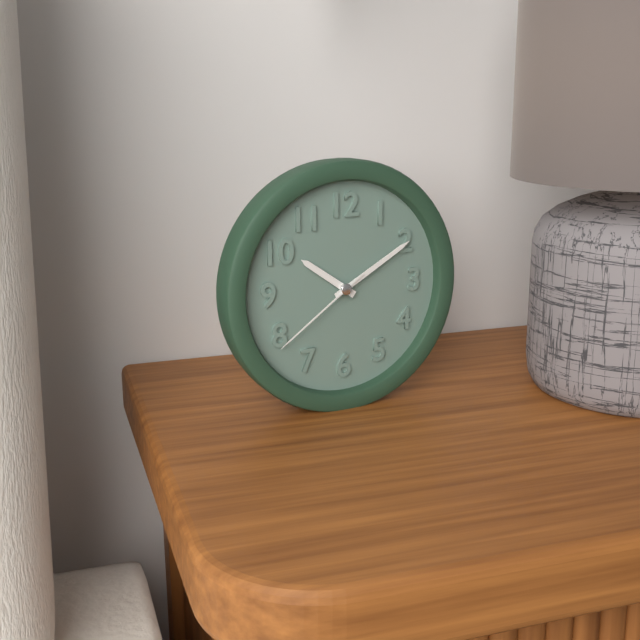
10:10:39
